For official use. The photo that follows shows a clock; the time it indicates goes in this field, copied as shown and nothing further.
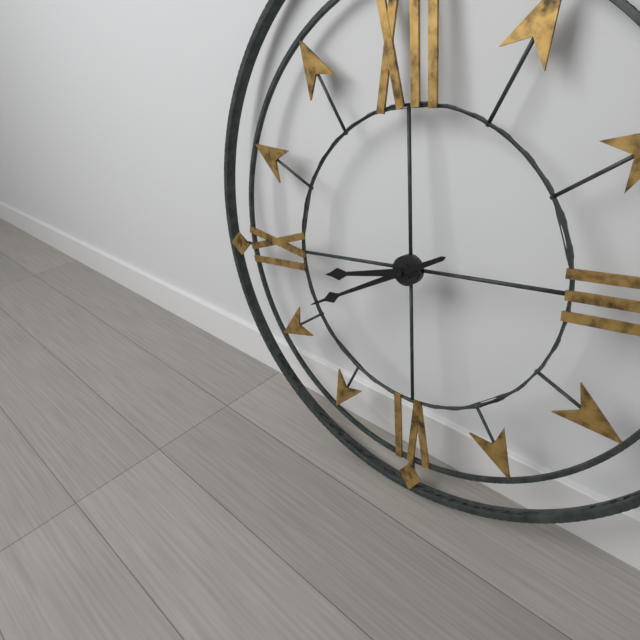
8:41
